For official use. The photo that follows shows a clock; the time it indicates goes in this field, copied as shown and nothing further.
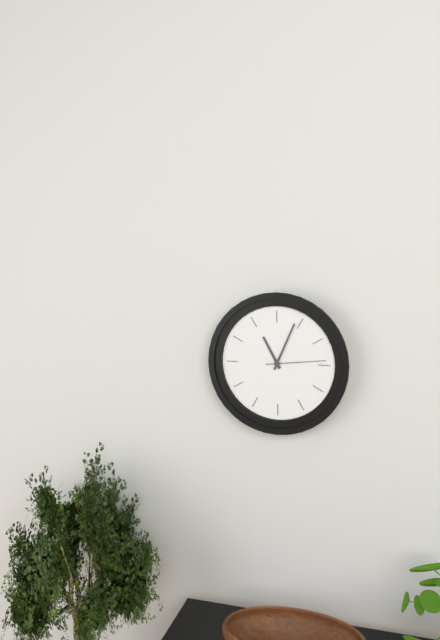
11:04:14
